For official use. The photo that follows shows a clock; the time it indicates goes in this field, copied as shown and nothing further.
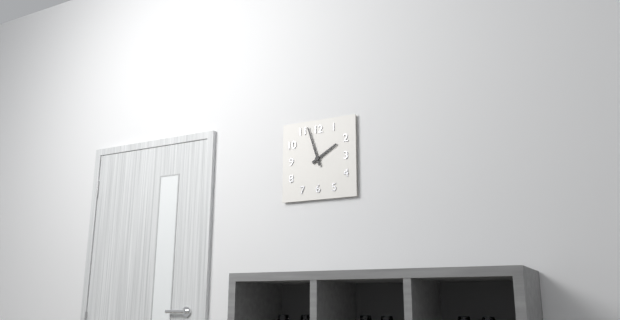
1:57
